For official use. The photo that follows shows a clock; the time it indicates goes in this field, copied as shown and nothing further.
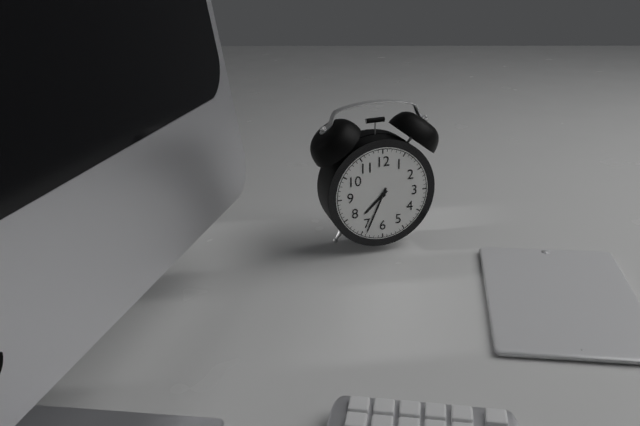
7:34
